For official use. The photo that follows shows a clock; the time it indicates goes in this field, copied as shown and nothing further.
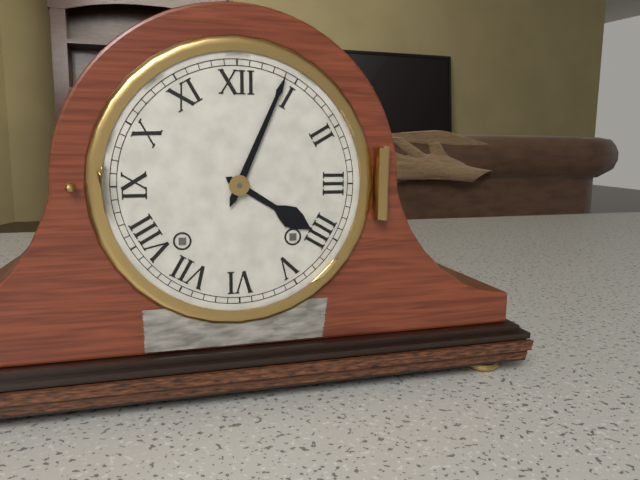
4:04
